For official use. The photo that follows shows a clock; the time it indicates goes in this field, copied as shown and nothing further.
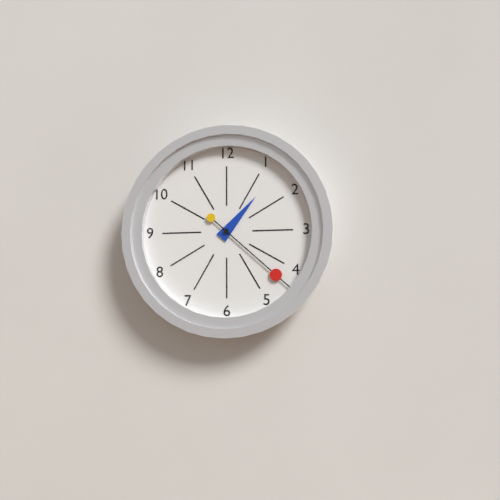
1:22
